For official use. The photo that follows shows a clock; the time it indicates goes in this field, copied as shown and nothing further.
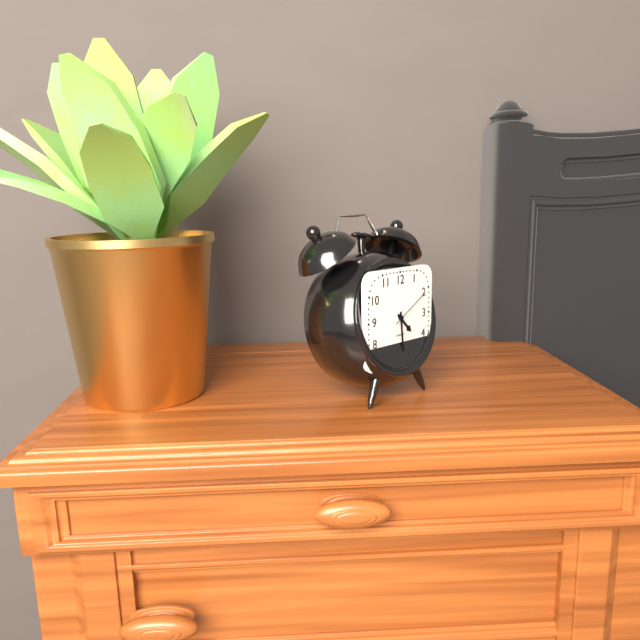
4:29
